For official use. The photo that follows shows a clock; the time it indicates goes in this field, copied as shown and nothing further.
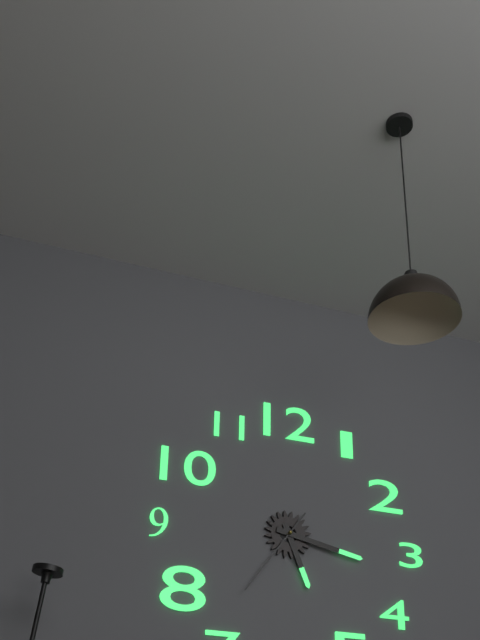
5:17:36
